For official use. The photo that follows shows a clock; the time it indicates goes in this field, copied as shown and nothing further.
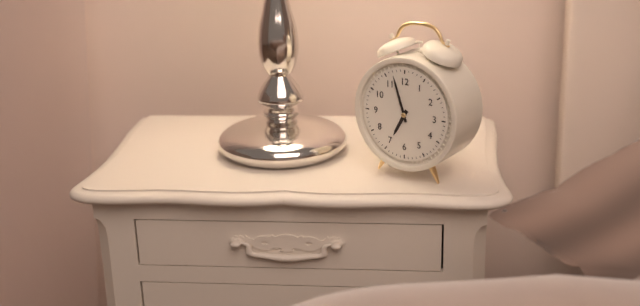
6:57
